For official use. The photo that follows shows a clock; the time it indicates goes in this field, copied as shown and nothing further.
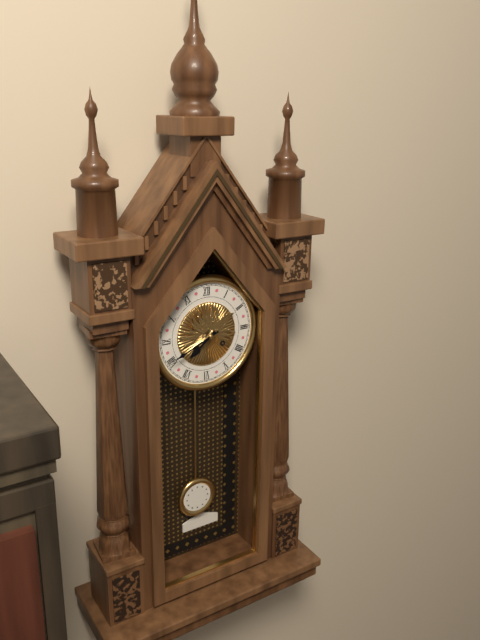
7:41
